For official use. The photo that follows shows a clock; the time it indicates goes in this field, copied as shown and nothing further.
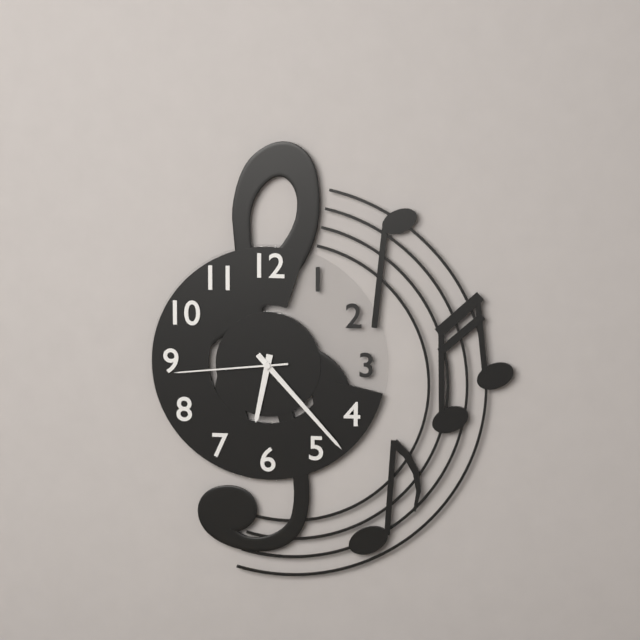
6:23:44
